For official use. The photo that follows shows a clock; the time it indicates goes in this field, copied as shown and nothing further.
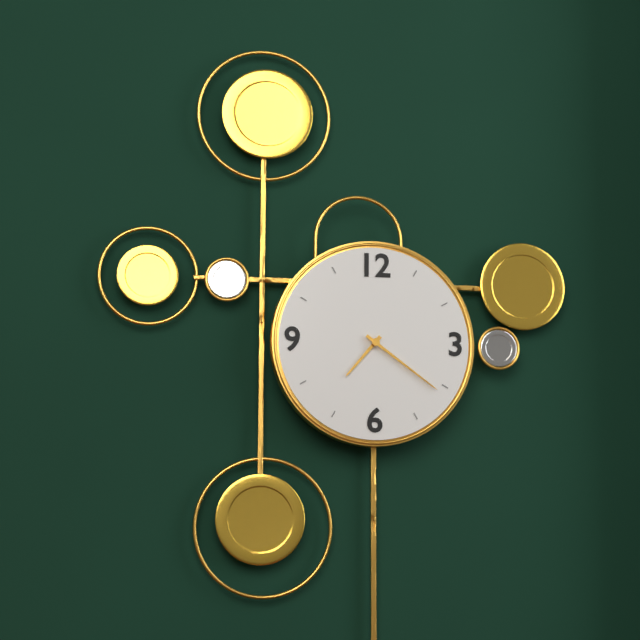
7:21
